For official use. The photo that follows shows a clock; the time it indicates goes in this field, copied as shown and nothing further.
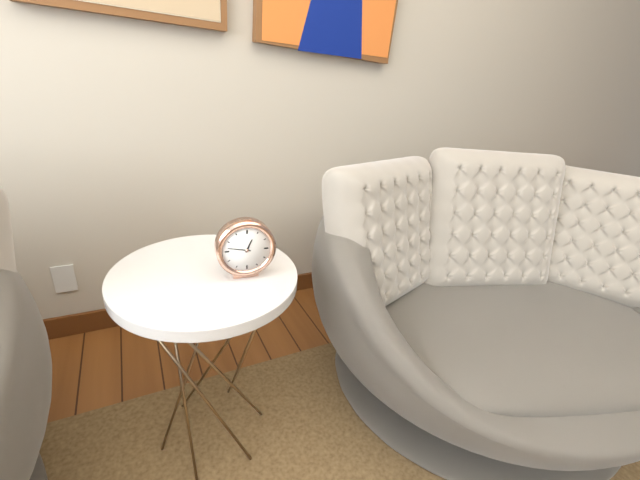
12:47
